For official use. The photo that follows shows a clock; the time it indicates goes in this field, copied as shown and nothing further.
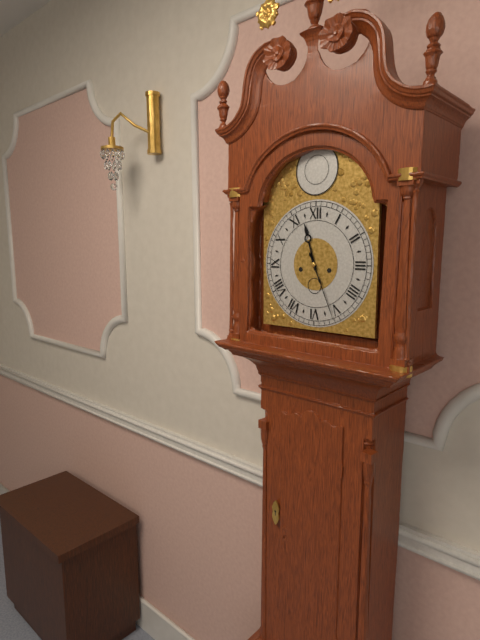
11:26
